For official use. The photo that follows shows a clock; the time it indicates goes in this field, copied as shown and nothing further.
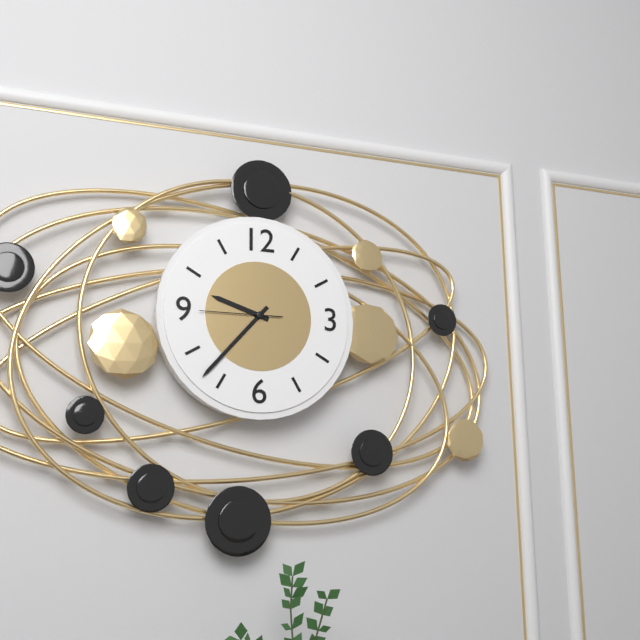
9:37:45
